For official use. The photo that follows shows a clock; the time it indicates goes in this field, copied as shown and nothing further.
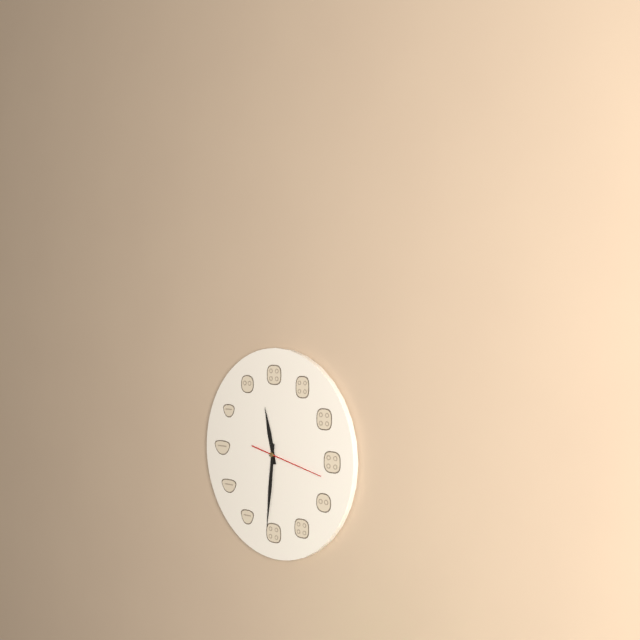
11:31:17
